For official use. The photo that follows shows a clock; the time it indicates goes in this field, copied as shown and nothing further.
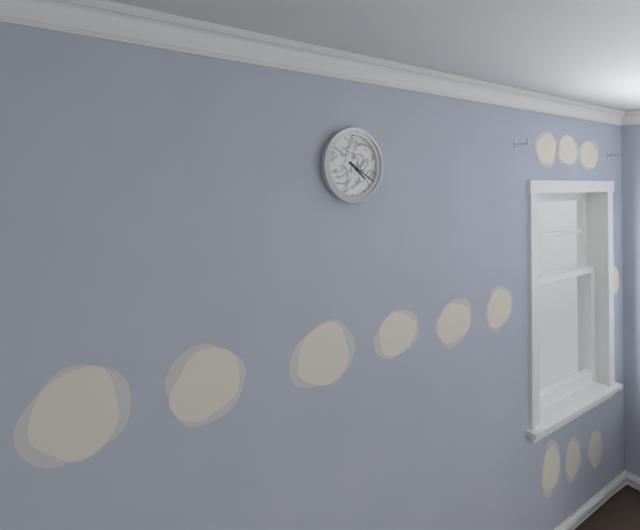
4:20
